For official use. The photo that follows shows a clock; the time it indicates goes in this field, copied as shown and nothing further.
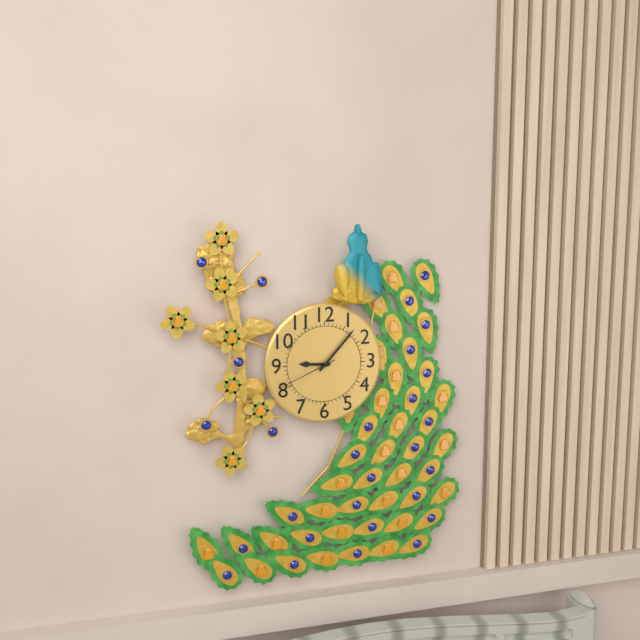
9:07:41
